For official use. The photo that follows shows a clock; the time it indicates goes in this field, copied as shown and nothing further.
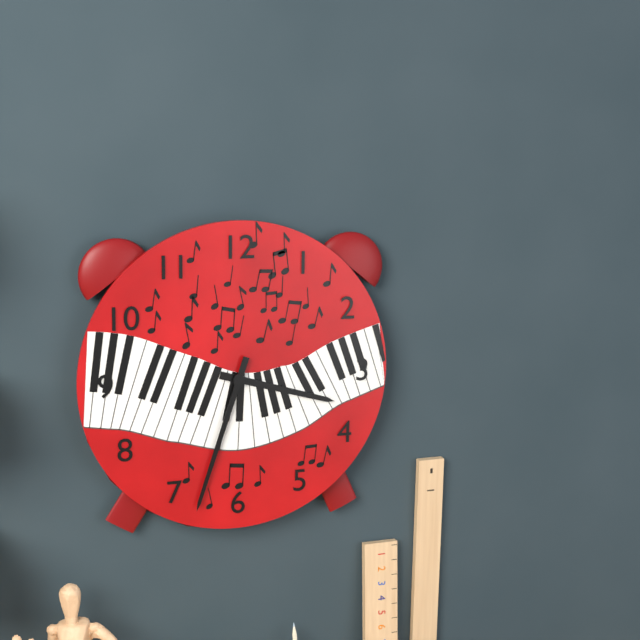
3:33
